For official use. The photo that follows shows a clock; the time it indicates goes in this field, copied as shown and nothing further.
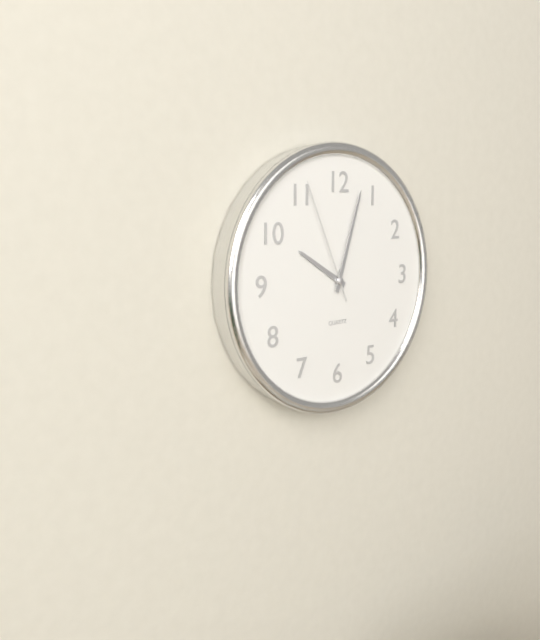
10:03:56
